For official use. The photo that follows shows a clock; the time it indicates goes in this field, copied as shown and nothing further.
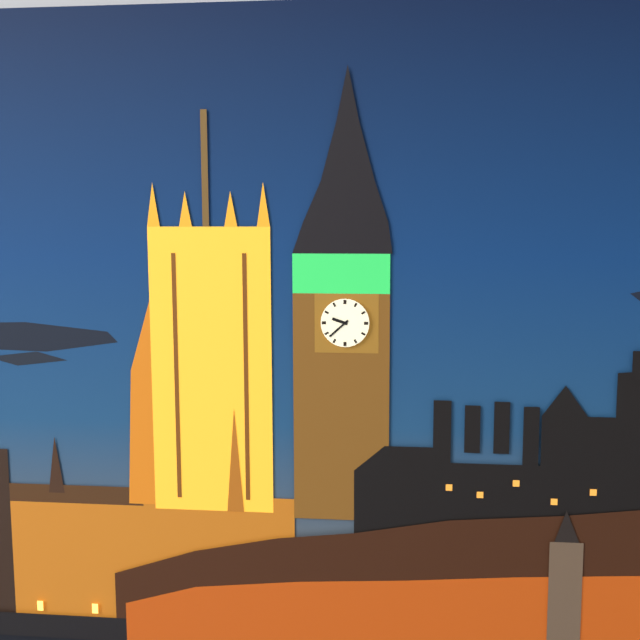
9:38
